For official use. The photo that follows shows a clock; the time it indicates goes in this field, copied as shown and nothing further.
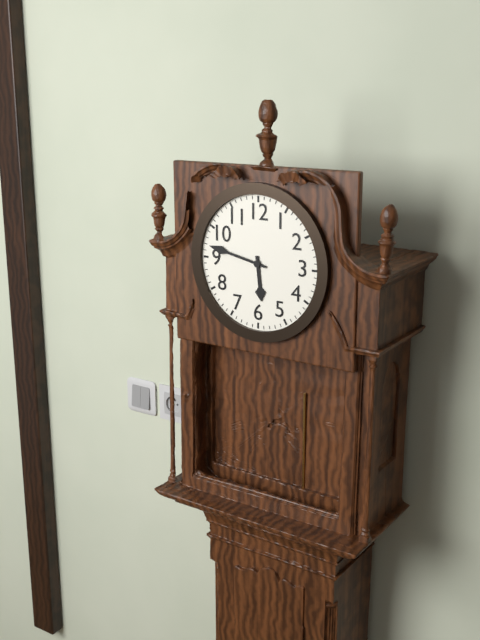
5:47
